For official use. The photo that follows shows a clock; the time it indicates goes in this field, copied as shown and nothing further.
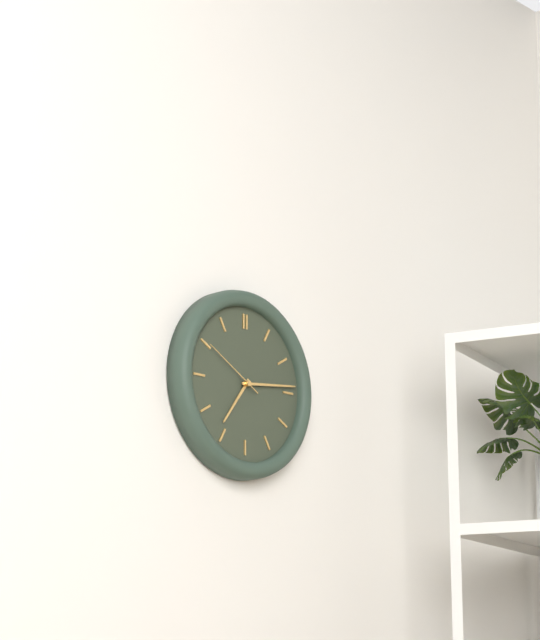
7:14:50
